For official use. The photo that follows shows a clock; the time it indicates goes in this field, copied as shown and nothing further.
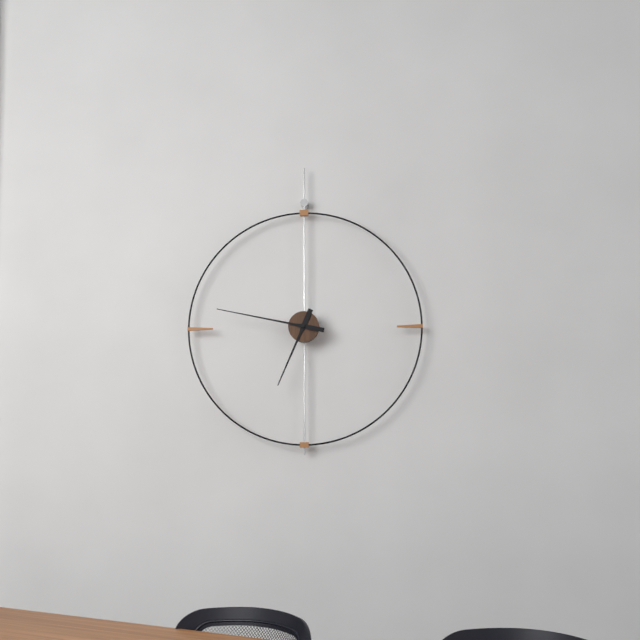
6:47
